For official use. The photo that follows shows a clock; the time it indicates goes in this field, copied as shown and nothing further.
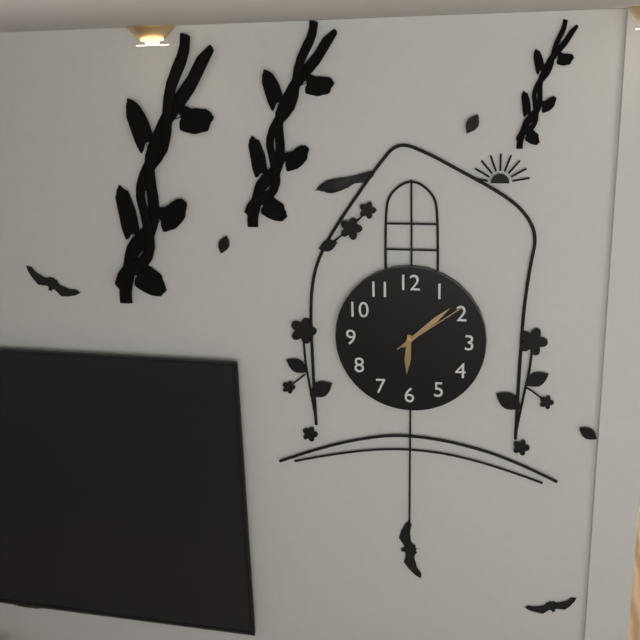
6:08:09
